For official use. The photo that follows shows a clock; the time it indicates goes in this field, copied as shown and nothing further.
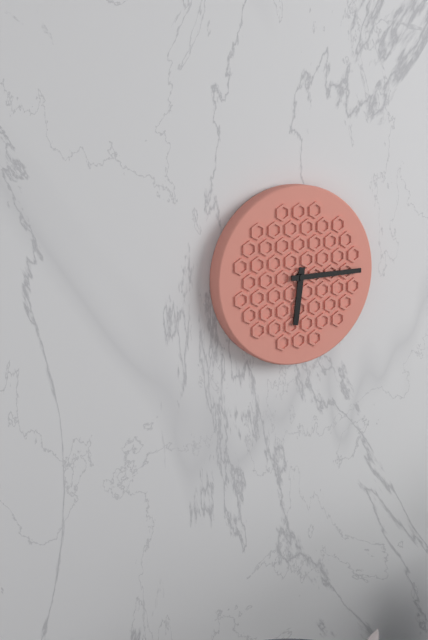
6:15
